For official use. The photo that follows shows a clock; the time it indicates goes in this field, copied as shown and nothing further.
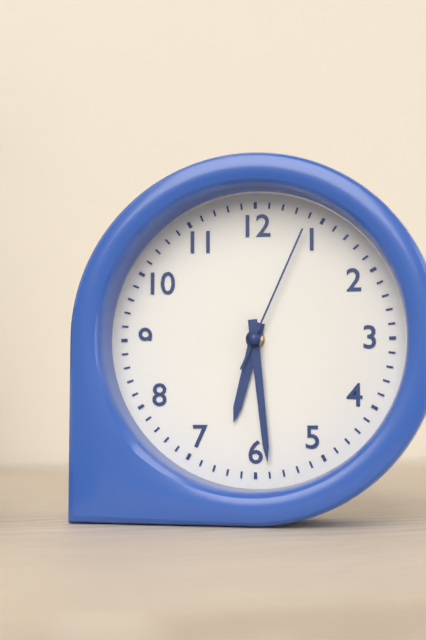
6:29:04
